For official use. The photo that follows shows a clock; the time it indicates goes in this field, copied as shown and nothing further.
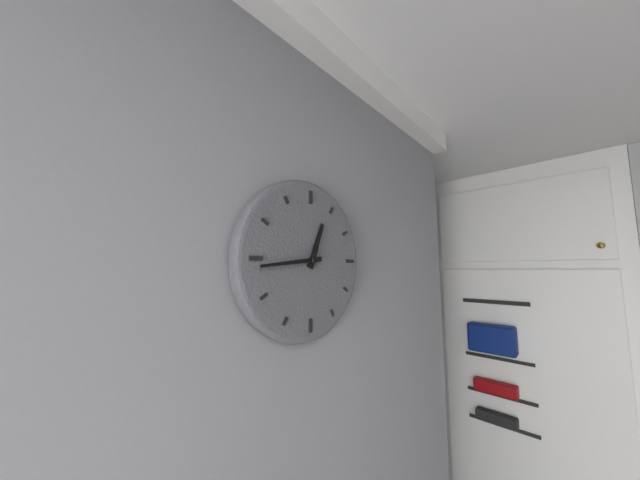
12:44
